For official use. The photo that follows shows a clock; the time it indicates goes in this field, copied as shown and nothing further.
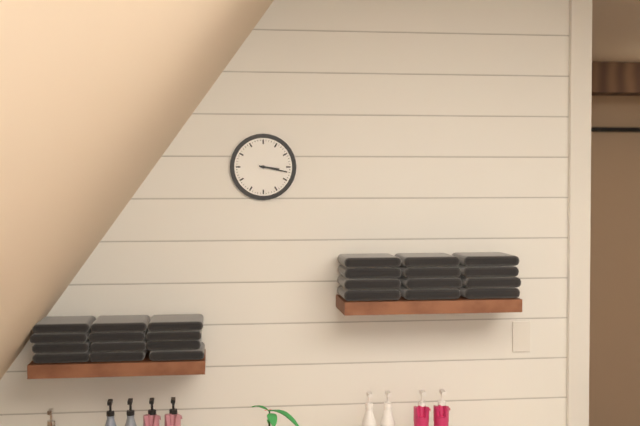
3:17
